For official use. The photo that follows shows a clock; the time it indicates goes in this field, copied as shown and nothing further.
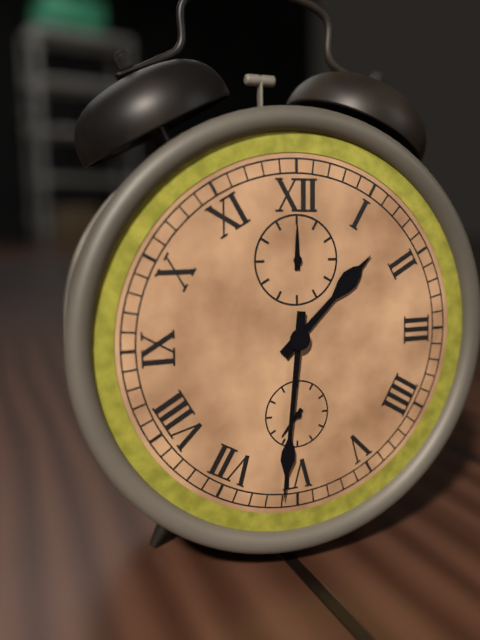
1:31
